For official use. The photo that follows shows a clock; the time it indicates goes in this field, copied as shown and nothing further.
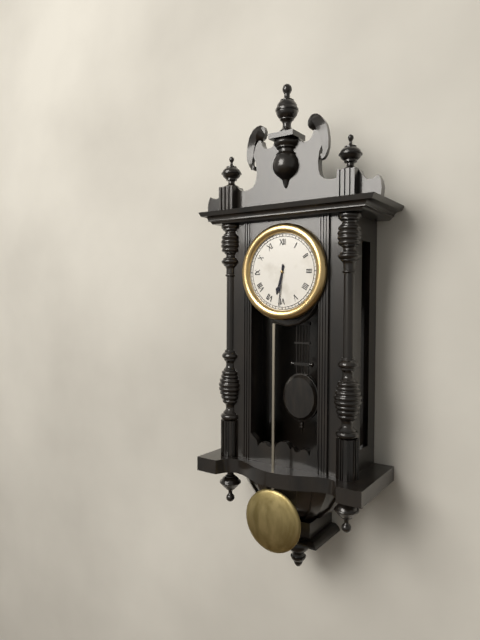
6:31
